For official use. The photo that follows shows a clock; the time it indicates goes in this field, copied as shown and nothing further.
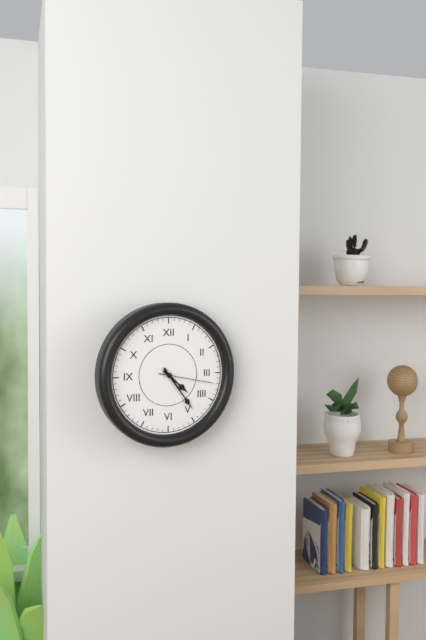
4:24:17
